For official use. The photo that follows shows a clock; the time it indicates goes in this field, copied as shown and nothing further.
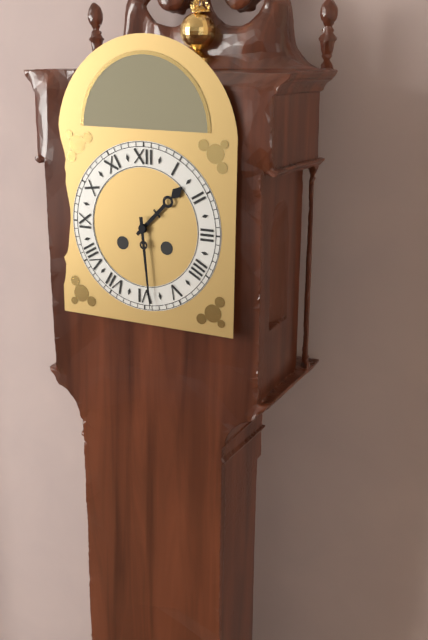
1:29
